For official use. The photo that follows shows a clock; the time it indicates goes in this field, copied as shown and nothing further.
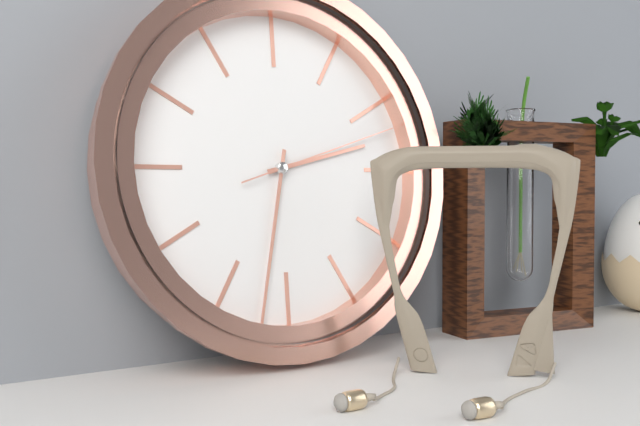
2:32:12
